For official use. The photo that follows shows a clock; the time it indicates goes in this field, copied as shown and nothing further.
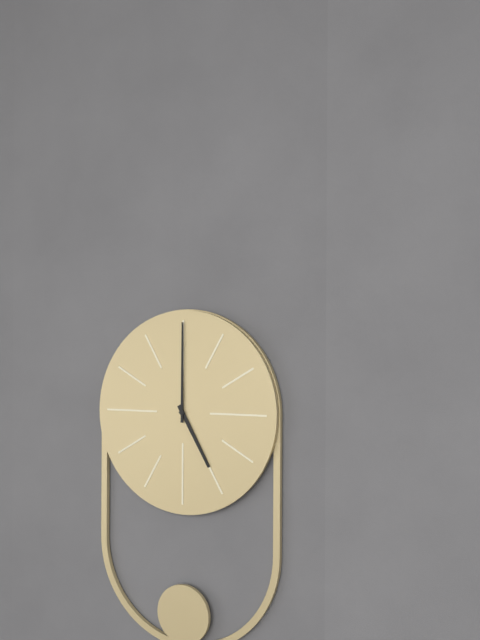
5:00
